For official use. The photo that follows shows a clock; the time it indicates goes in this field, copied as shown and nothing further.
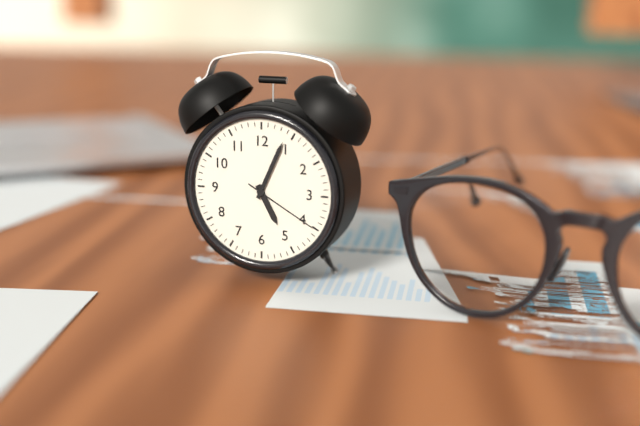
5:04:20
